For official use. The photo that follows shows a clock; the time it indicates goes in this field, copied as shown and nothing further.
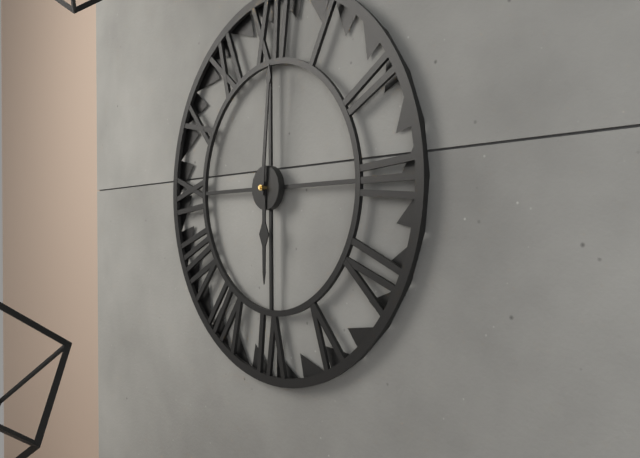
6:01
